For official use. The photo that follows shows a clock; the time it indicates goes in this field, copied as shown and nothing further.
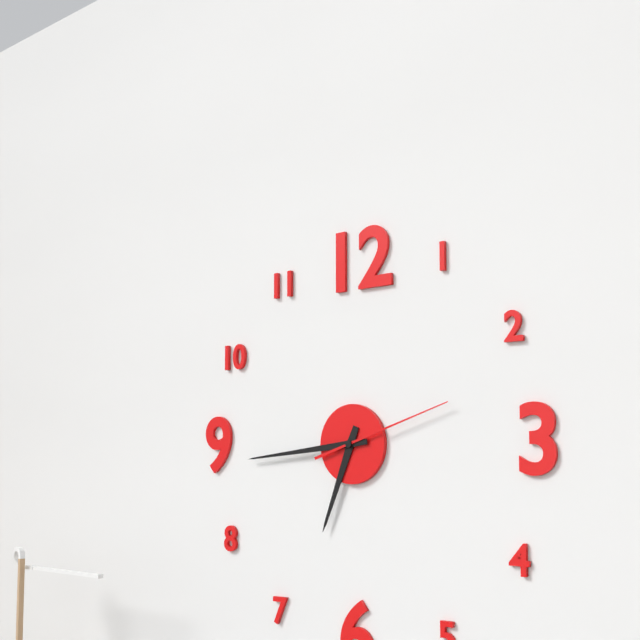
6:44:12
